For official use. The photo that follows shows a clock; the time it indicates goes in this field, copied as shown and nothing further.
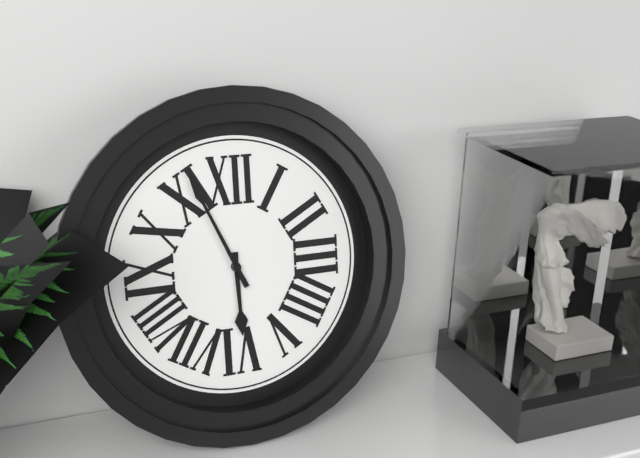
5:56
